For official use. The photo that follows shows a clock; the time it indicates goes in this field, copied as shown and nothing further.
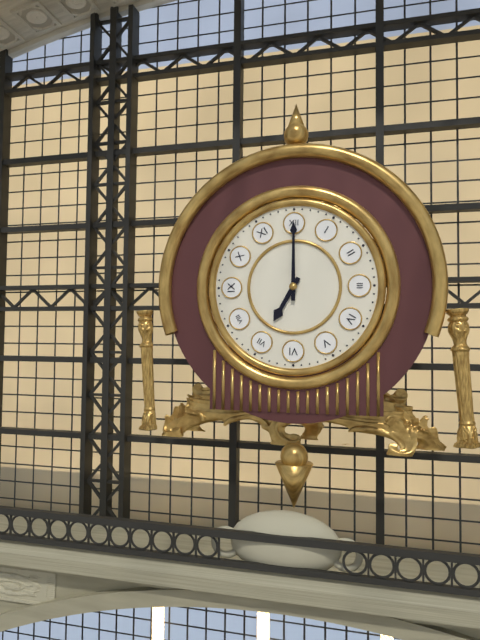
7:00
